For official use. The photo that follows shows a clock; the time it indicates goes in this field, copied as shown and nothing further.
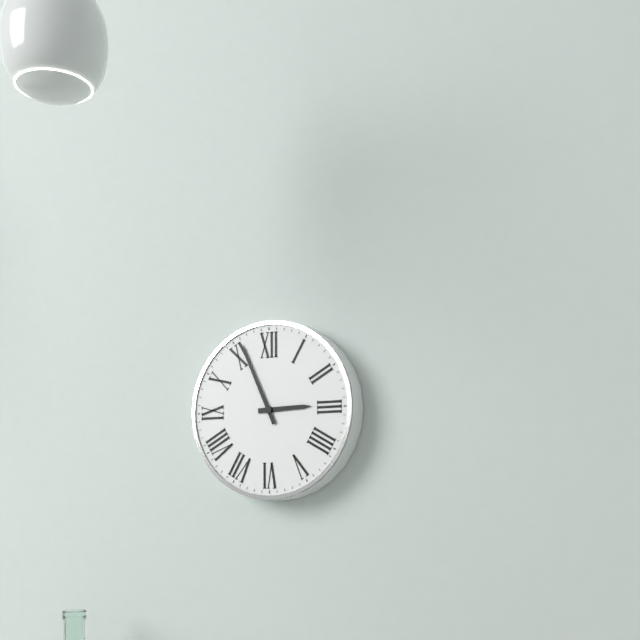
2:56
